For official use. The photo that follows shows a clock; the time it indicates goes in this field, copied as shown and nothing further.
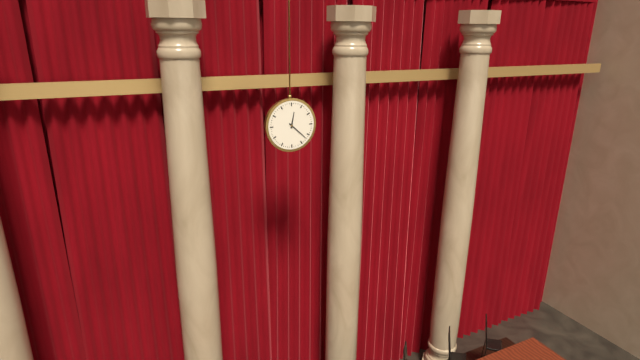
12:22
